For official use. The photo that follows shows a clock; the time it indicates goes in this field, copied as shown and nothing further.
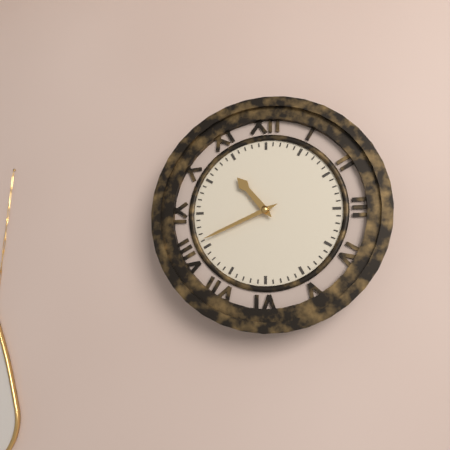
10:41
